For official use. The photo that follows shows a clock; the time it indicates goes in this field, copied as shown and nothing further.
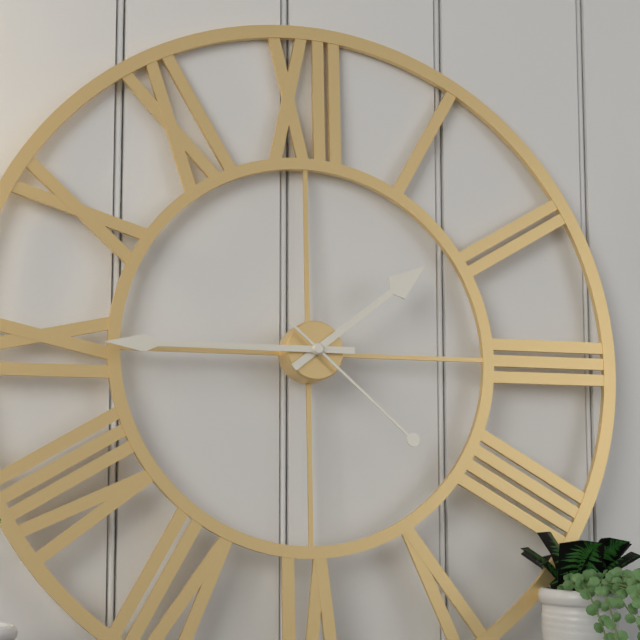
1:45:22
